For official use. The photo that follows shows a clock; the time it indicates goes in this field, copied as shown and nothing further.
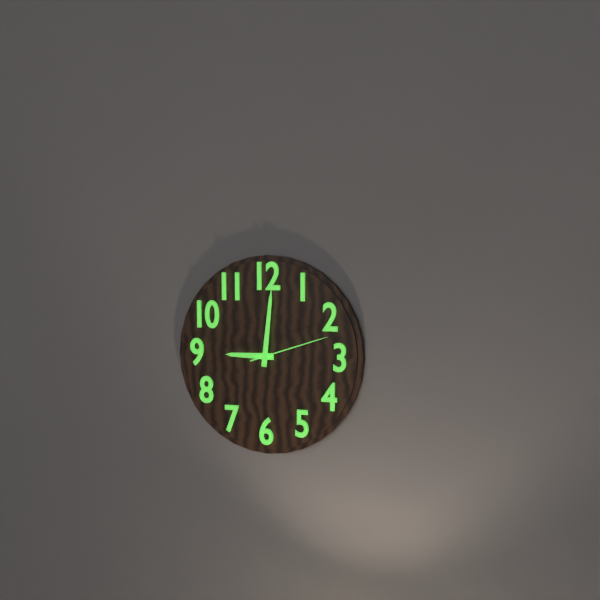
9:01:12
